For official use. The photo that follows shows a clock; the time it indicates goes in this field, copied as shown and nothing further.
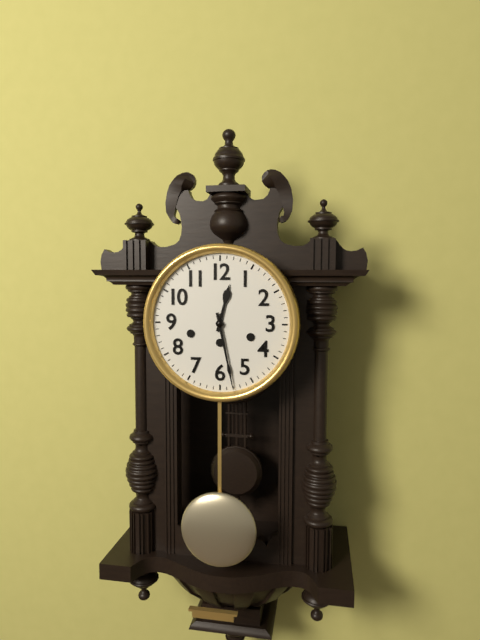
12:28
